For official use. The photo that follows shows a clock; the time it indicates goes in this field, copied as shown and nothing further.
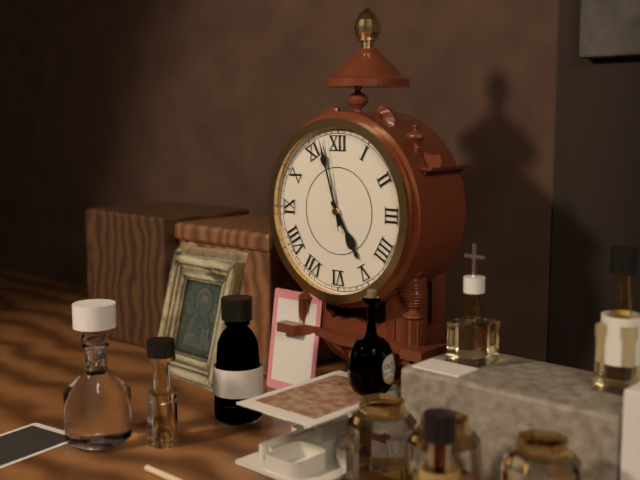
4:57:58
